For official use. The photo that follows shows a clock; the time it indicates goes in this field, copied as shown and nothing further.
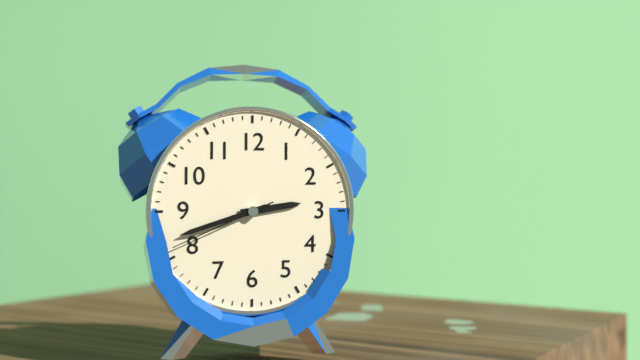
2:42:41
